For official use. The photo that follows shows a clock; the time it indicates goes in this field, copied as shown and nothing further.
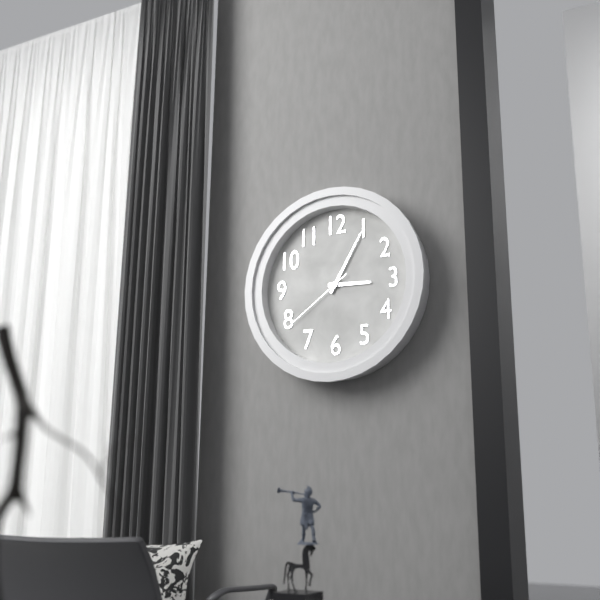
3:05:39
